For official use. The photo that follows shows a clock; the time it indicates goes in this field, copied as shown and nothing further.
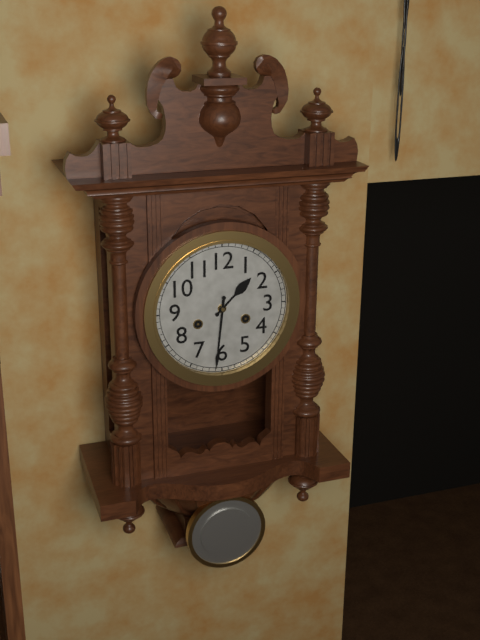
1:31
